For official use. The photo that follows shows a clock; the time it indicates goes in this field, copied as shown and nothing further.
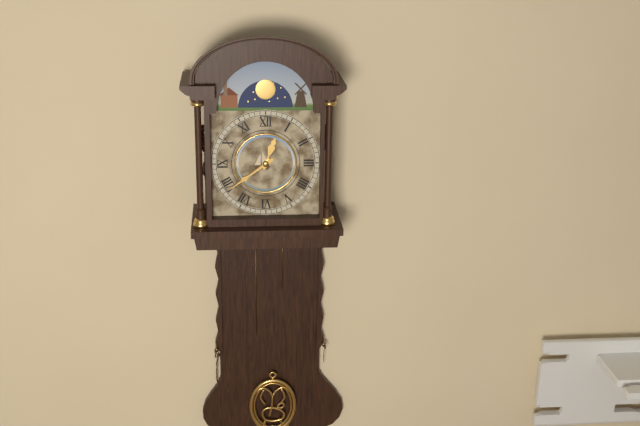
12:39
